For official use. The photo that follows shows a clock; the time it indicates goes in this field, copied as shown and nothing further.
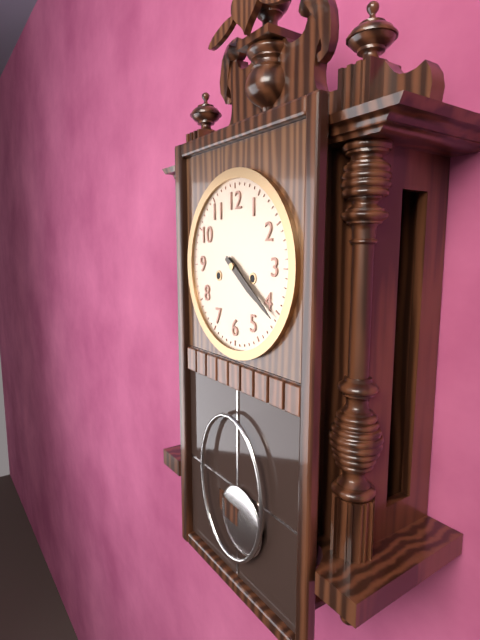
4:21
